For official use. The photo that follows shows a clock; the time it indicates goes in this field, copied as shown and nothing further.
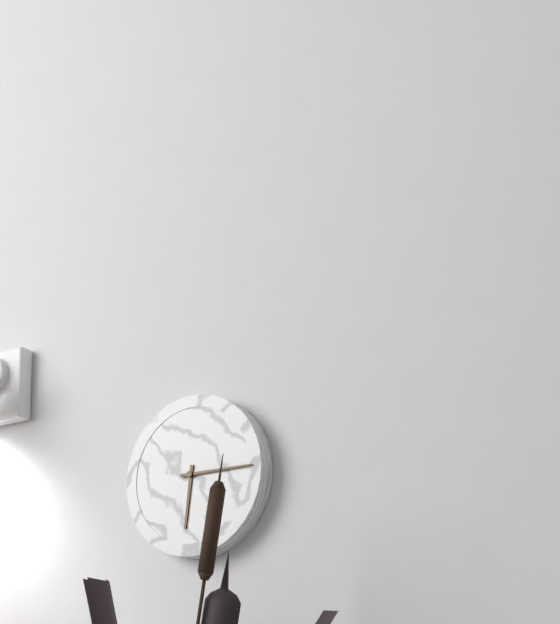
6:15
